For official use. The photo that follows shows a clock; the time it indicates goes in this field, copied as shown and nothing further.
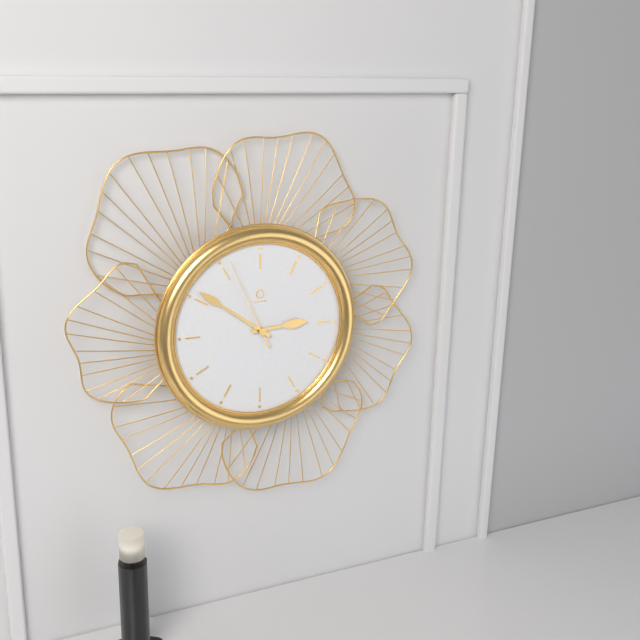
2:51:56
